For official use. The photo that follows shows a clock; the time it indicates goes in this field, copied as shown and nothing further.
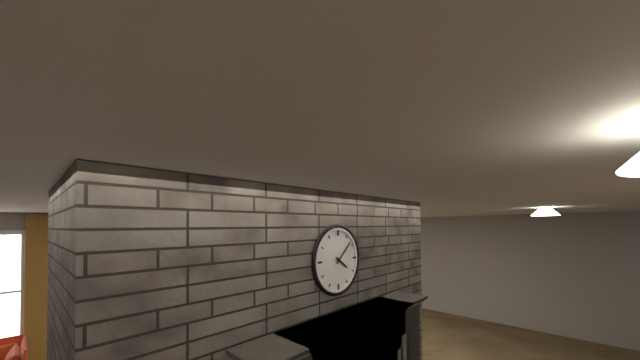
4:08
